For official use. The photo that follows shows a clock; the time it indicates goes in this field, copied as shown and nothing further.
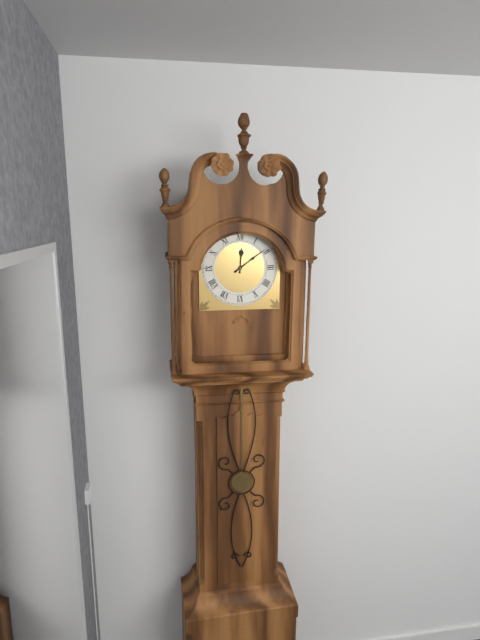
12:09
